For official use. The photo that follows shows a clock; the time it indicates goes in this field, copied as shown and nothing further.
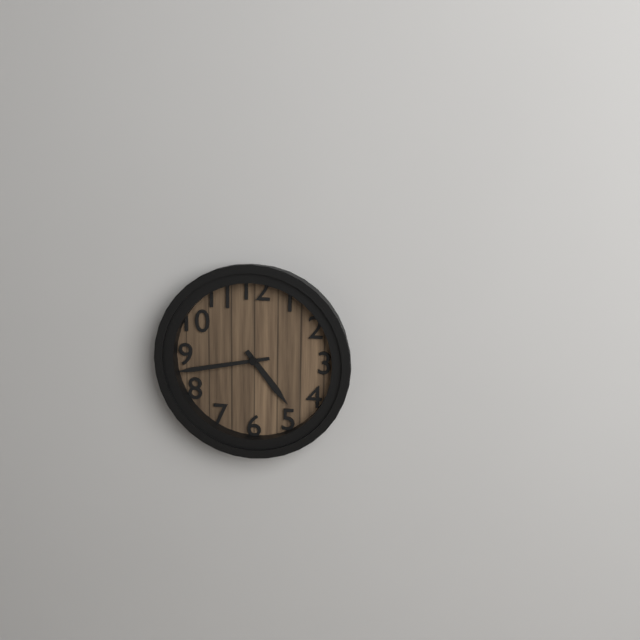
4:43
